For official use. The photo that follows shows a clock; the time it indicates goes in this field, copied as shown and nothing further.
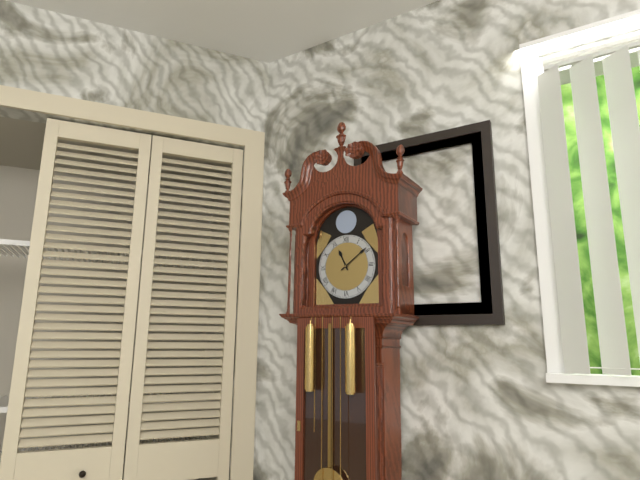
11:09
